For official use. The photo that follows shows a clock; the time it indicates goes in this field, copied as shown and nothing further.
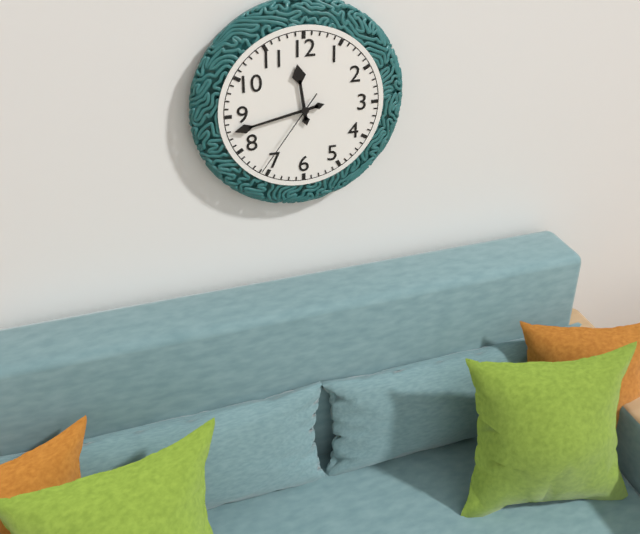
11:43:36
